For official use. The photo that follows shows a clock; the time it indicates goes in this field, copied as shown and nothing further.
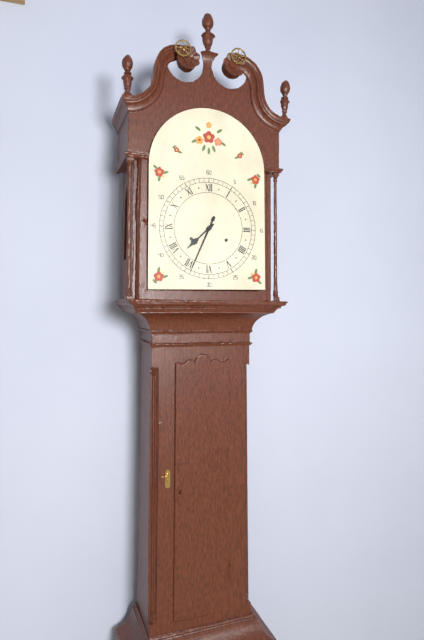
7:34
